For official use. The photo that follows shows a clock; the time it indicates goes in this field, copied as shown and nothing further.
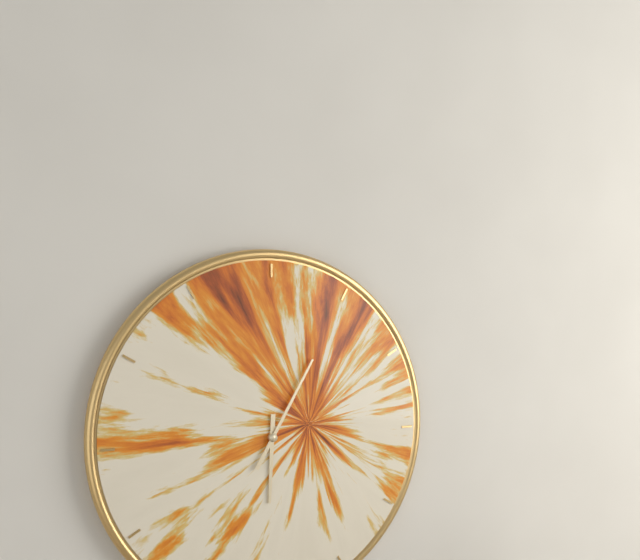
6:05
